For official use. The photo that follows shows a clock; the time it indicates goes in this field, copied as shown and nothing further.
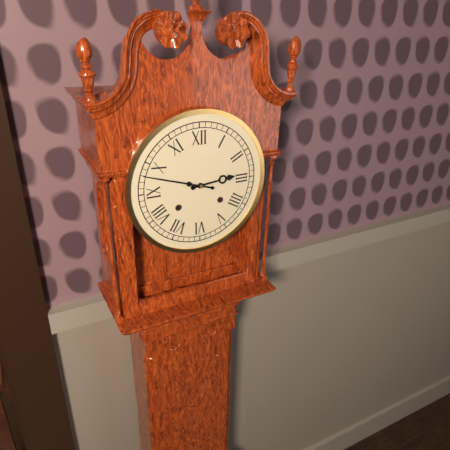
2:48
